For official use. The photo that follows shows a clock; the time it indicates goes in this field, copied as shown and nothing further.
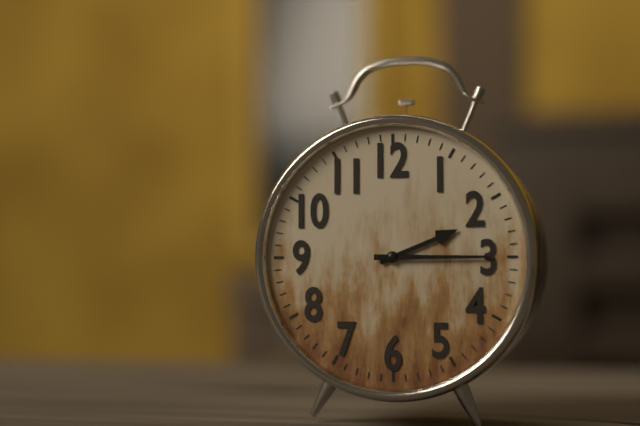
2:15
